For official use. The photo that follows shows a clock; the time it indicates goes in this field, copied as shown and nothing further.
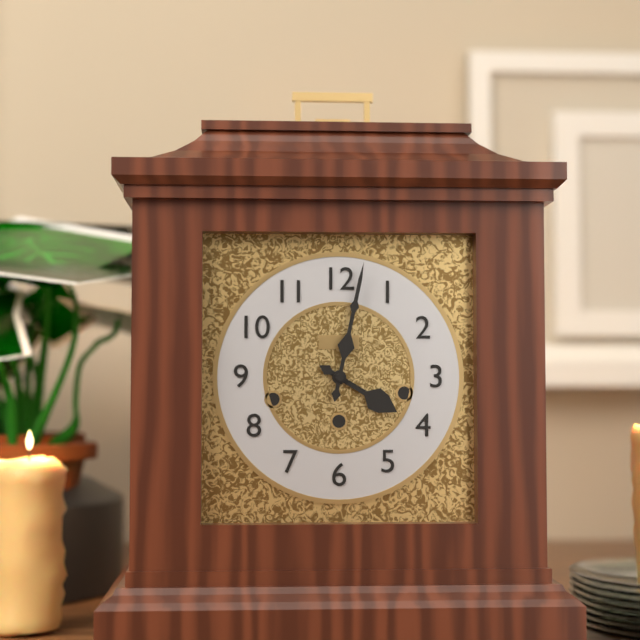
4:02
